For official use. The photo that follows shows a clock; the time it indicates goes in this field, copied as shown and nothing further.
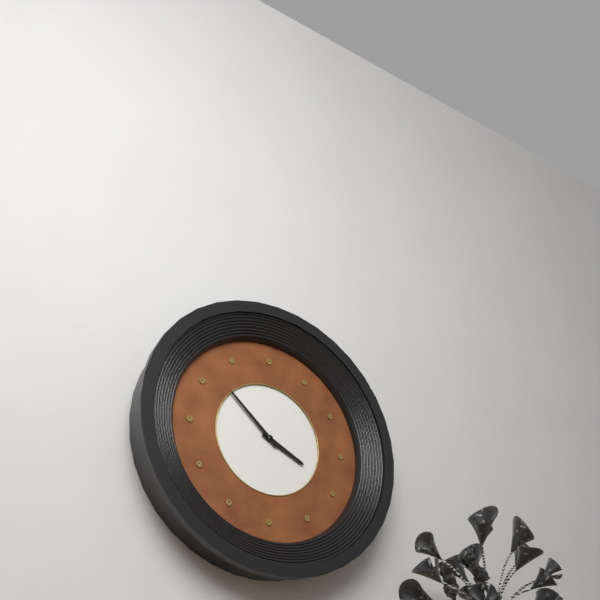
3:52
